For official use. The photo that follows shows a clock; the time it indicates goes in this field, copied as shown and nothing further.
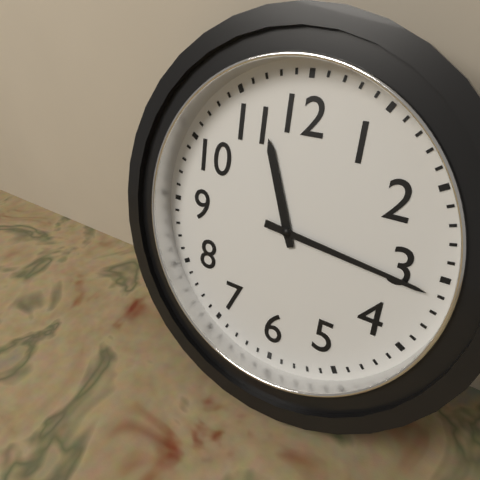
11:16
